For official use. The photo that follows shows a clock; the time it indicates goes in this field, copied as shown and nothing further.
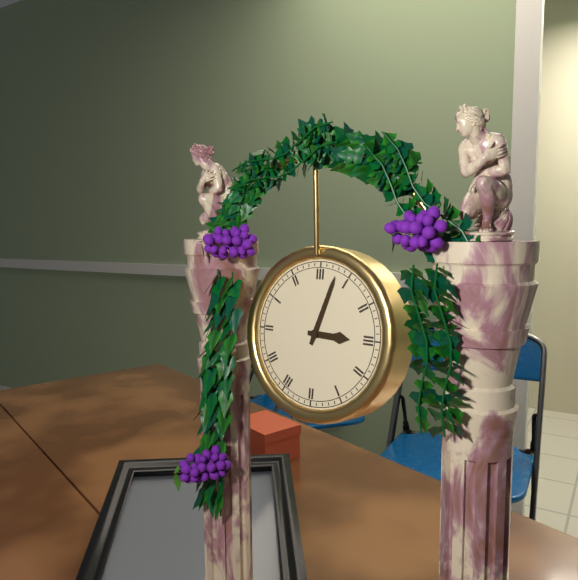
3:03
